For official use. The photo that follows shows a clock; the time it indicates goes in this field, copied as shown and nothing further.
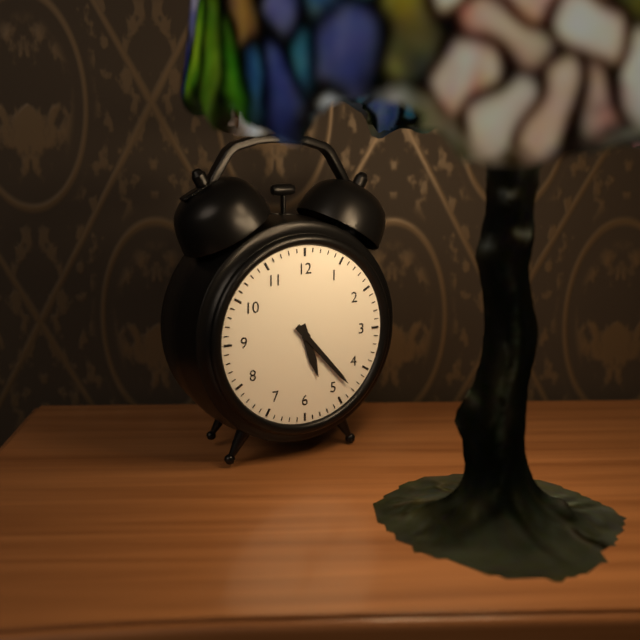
5:23
